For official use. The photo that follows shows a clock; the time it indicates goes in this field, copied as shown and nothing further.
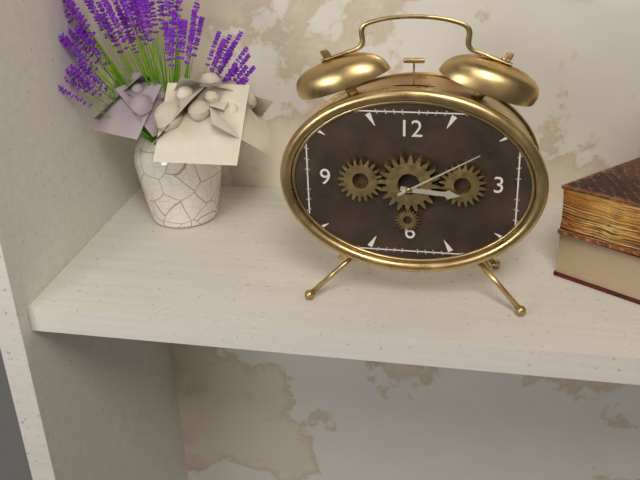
3:10
